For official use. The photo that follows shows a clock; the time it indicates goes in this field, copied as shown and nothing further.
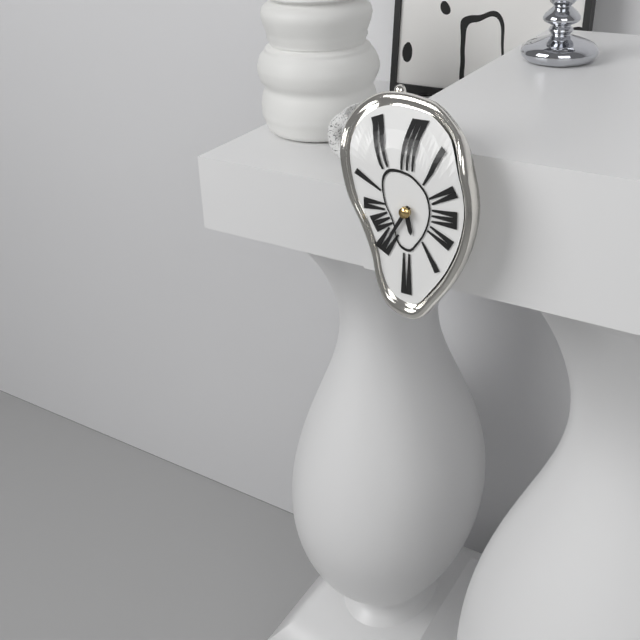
5:35
